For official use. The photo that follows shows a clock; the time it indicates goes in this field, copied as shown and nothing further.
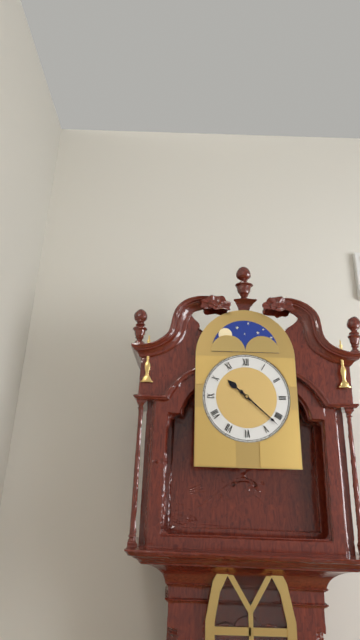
10:22
